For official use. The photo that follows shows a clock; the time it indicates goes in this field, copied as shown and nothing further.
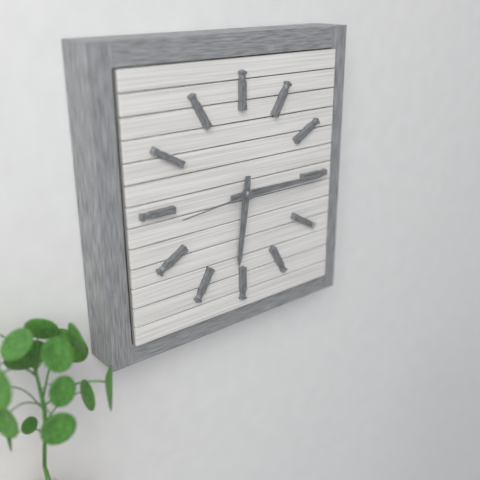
6:15:44
